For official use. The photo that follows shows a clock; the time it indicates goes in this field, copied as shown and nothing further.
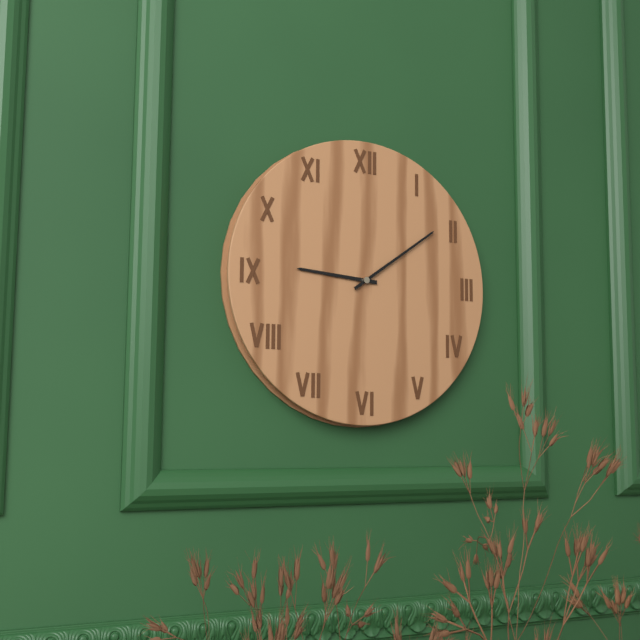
9:09
